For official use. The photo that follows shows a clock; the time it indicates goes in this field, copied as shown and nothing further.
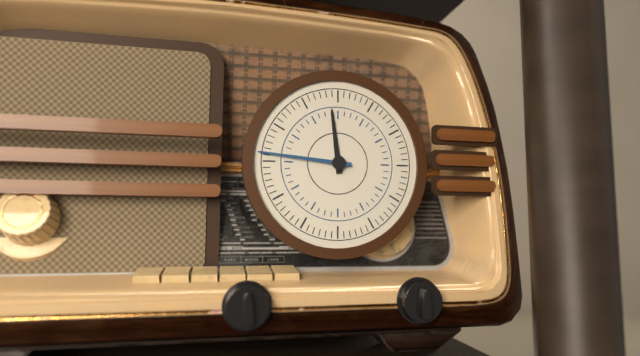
11:46
